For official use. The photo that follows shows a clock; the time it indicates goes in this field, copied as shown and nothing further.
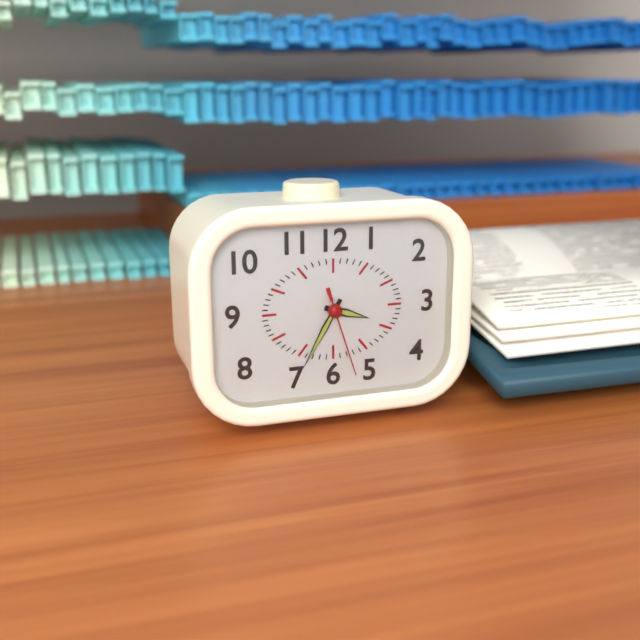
3:35:27
